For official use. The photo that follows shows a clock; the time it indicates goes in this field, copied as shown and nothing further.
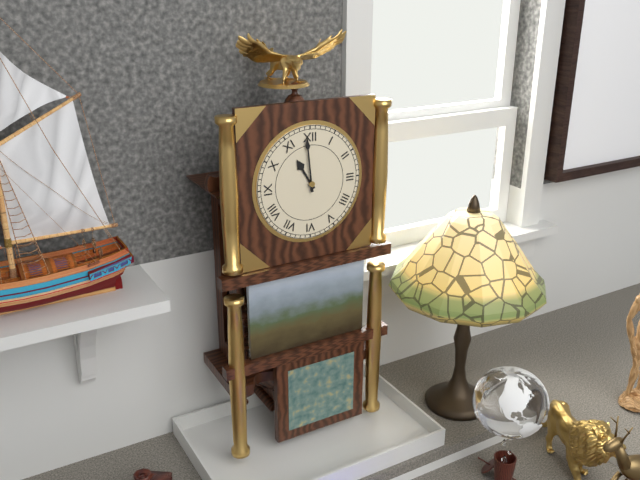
10:59
